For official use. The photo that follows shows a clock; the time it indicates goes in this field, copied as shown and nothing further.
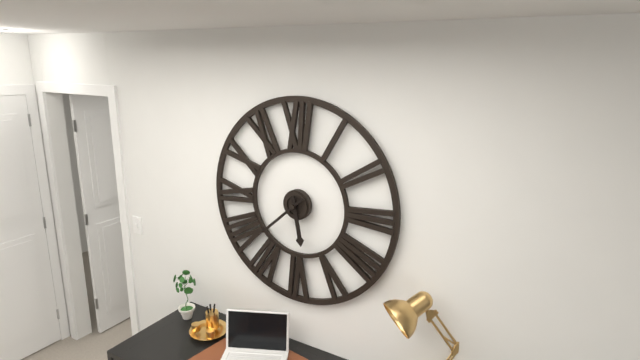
5:38
